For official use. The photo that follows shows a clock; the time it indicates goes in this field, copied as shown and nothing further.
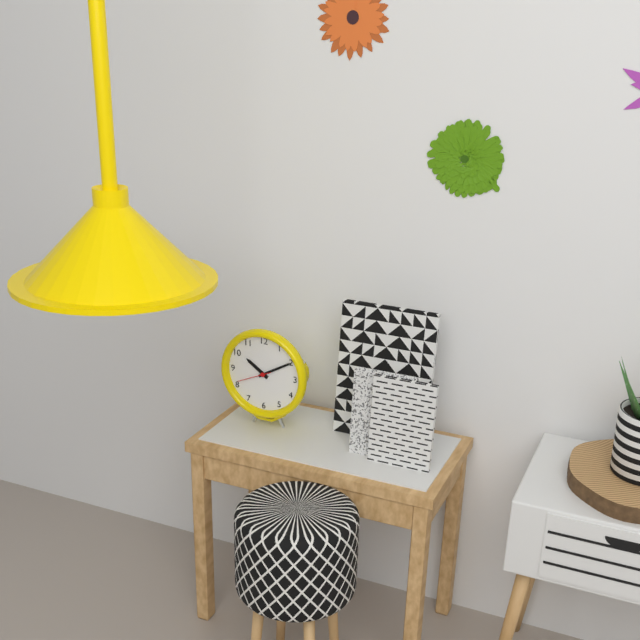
10:10
